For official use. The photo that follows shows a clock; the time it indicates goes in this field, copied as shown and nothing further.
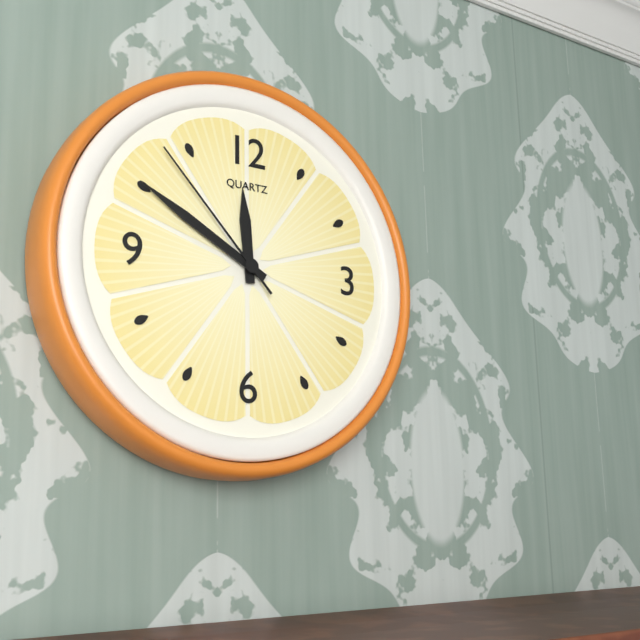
11:50:53
